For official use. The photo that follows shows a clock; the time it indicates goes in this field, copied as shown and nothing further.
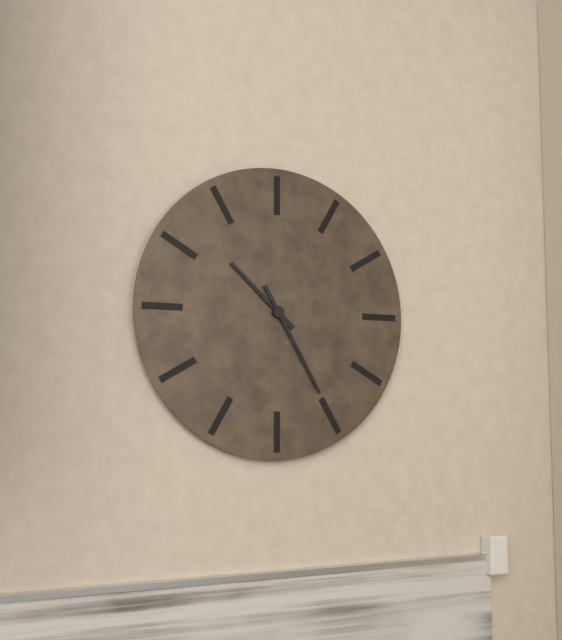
10:25
